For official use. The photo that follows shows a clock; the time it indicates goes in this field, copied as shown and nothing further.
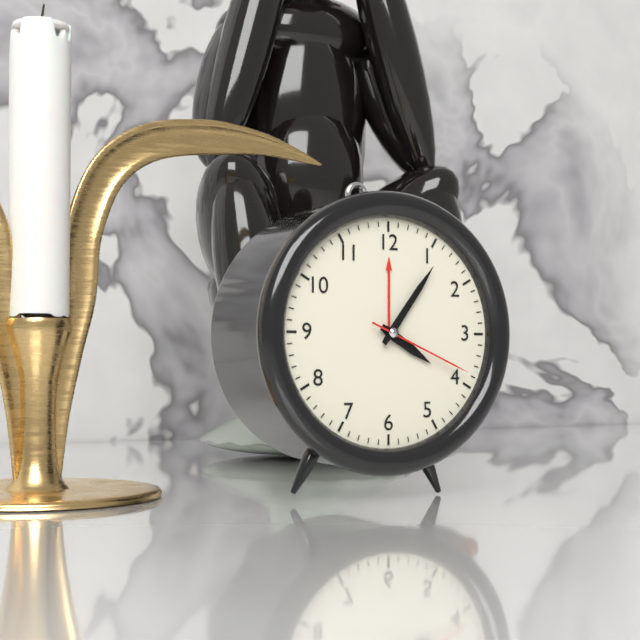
4:06:19
